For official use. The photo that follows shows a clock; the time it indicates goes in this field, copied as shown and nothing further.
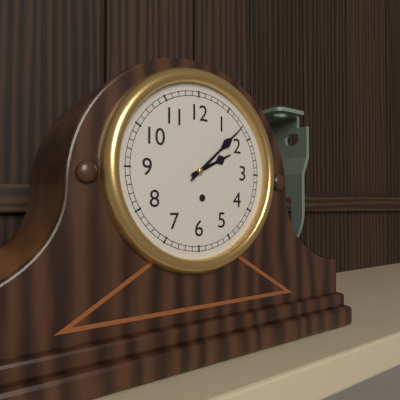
2:08
